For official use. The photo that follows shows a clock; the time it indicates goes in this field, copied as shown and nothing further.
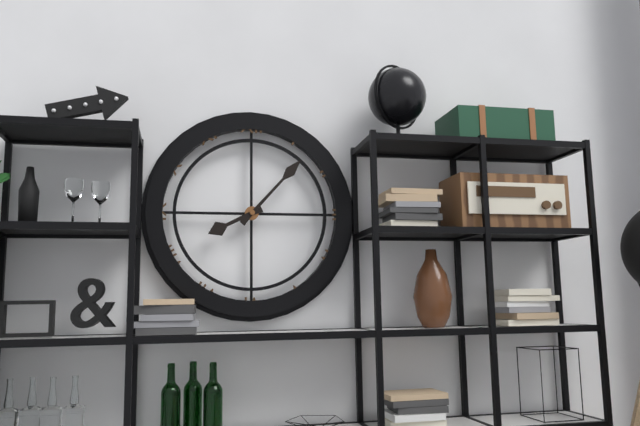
8:07
